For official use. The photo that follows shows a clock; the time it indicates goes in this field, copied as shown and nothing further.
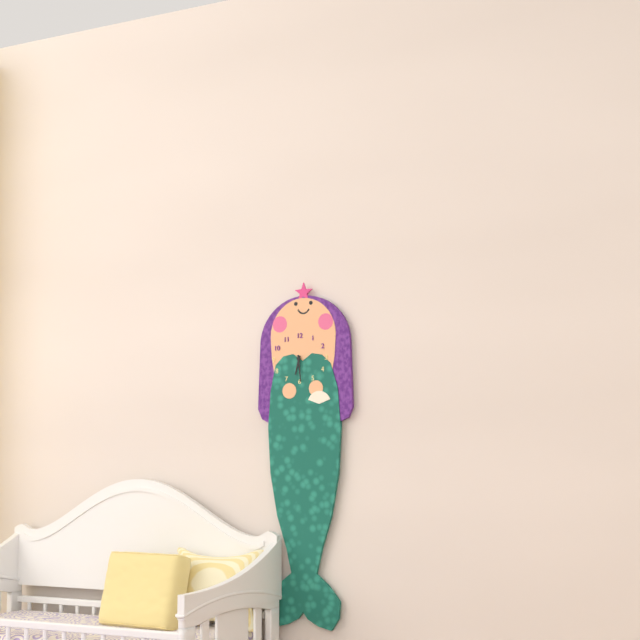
6:29
